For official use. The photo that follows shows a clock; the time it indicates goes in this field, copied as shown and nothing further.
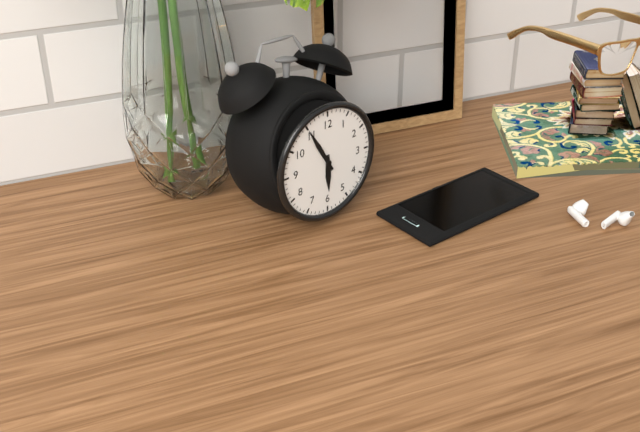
5:55
